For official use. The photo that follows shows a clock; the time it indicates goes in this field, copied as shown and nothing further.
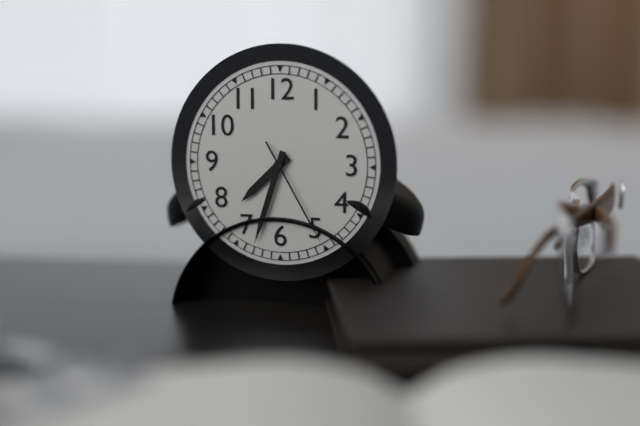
7:33:25
